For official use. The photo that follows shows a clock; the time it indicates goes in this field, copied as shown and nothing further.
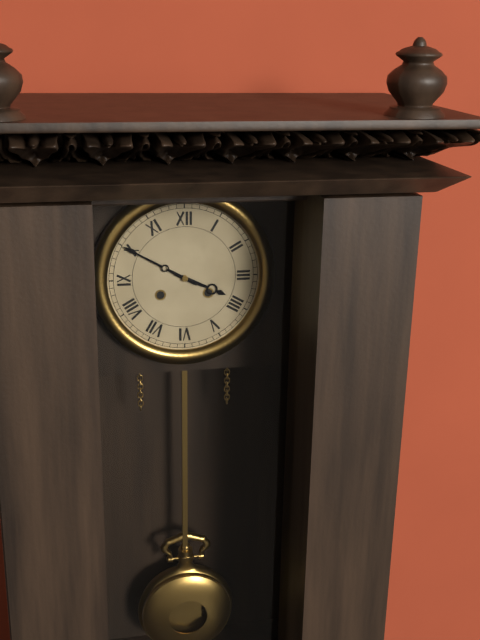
3:50
